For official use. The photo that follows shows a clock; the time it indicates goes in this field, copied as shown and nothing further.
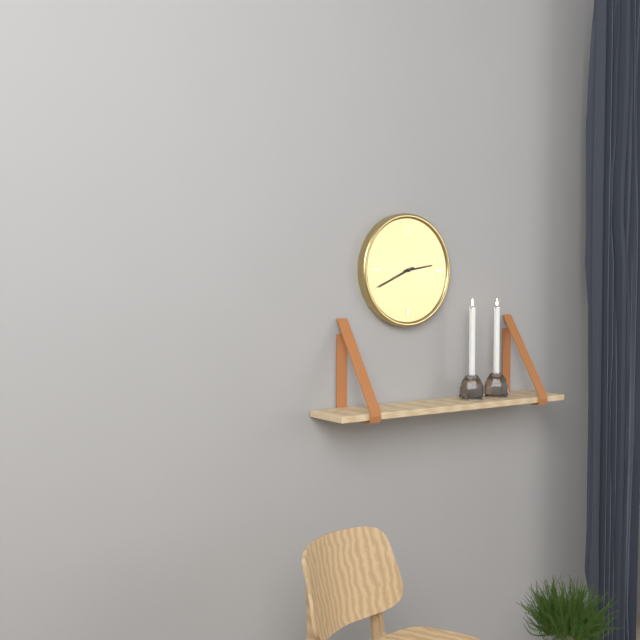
2:41
